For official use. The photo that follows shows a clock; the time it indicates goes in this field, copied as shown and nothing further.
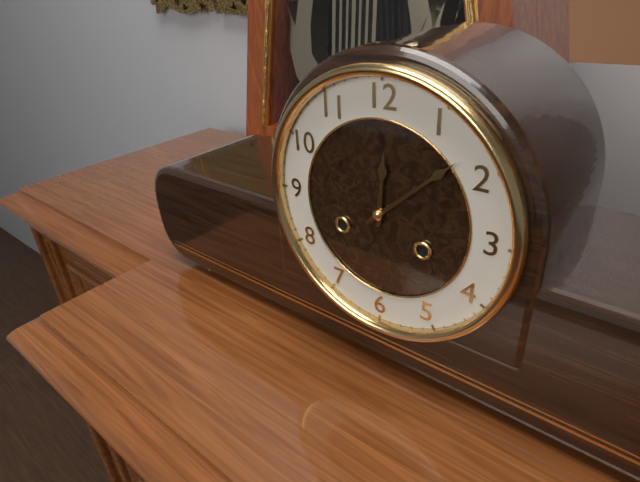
12:08
